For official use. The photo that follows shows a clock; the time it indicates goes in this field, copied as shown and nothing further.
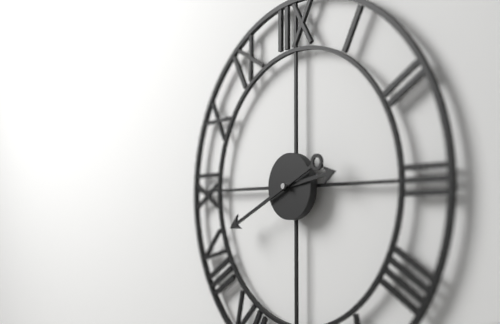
2:41
